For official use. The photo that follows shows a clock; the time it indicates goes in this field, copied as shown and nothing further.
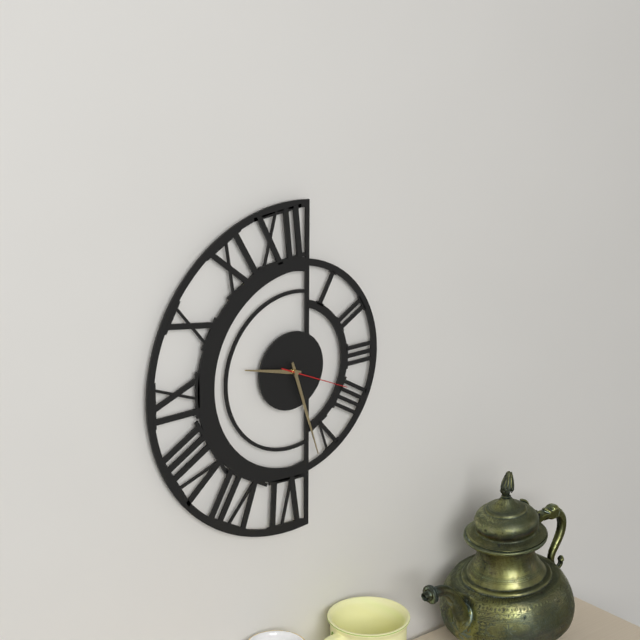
9:27:19
